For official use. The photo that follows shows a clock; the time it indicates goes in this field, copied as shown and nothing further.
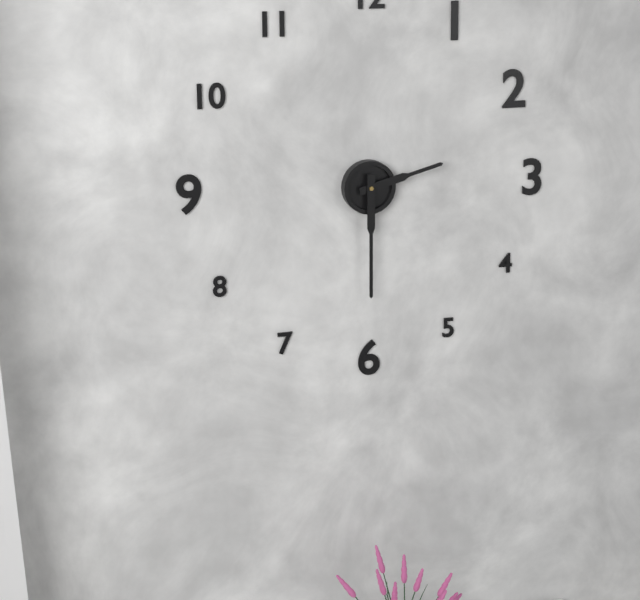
2:30
